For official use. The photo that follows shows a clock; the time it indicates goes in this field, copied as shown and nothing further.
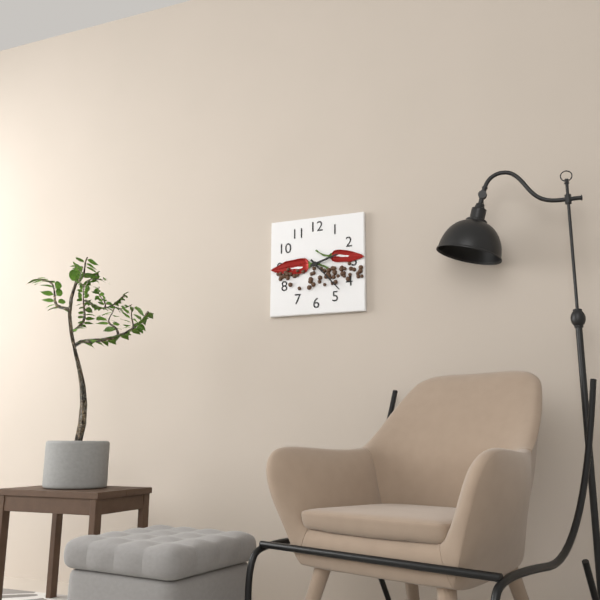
2:23
